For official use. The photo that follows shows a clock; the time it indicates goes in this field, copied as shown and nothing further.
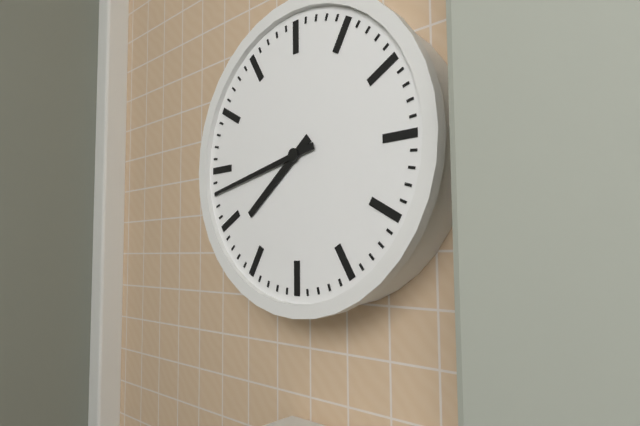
7:43
